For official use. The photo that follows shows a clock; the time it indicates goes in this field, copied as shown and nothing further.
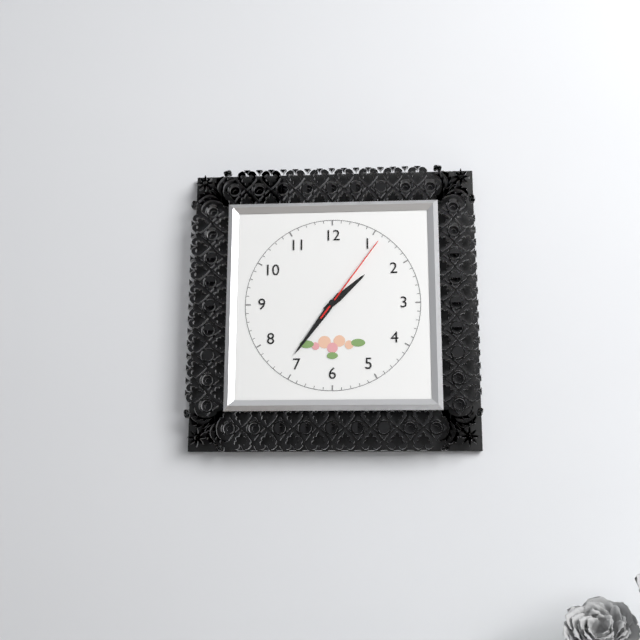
1:36:06
